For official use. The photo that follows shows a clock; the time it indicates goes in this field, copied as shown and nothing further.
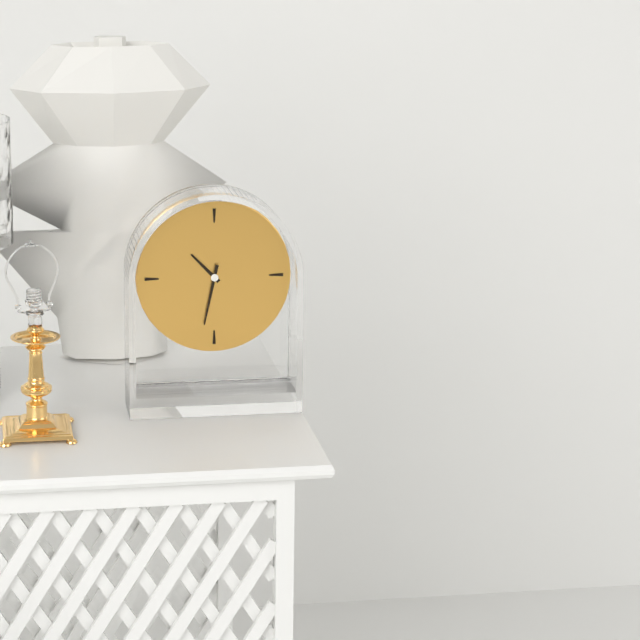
10:32
